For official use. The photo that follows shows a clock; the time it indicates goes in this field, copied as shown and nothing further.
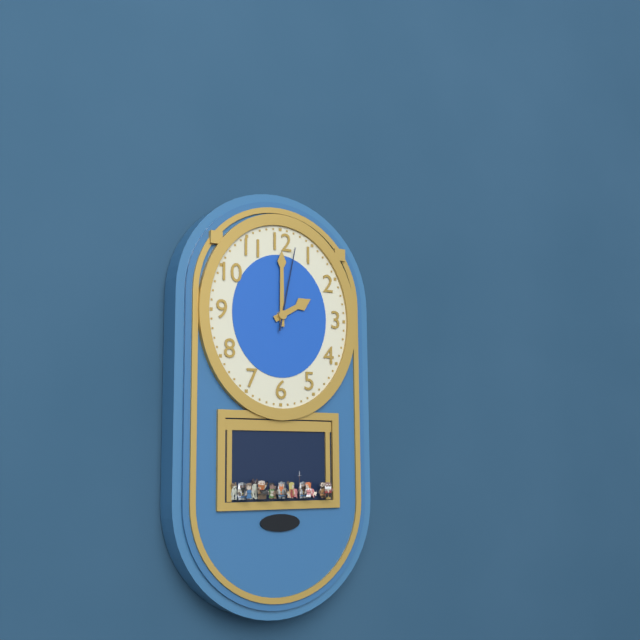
2:00:02
